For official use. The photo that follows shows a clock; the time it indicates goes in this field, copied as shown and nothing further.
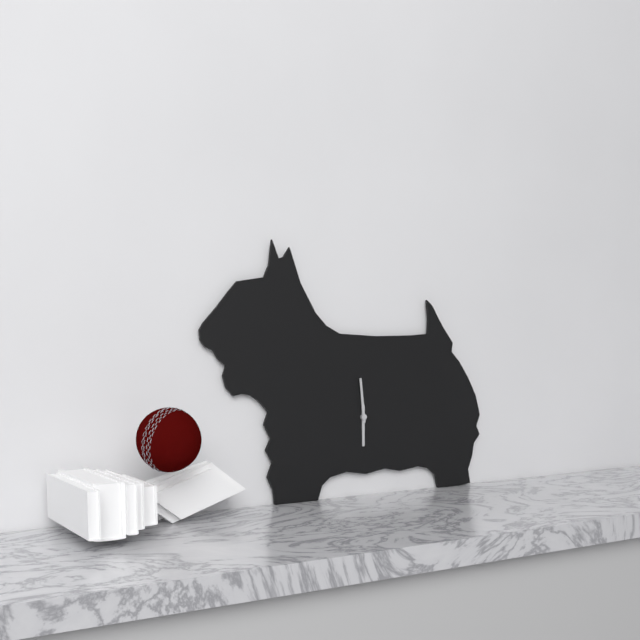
5:59
